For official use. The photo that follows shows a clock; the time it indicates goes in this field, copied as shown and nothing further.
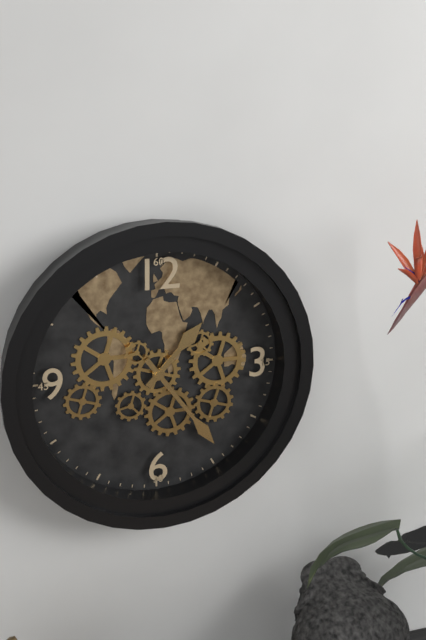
1:24
